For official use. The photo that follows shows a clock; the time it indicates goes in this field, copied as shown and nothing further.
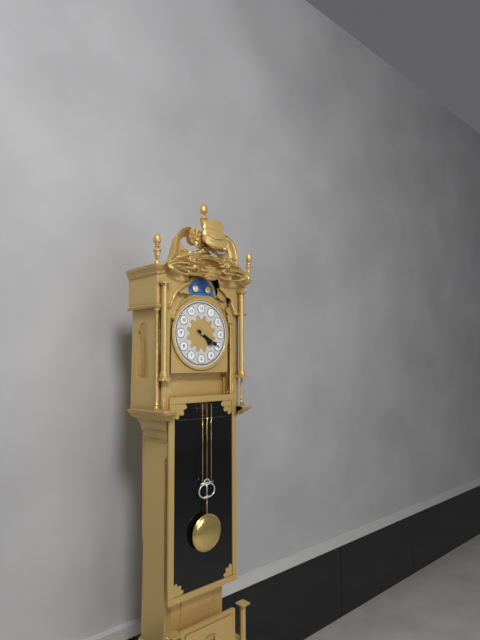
4:20
